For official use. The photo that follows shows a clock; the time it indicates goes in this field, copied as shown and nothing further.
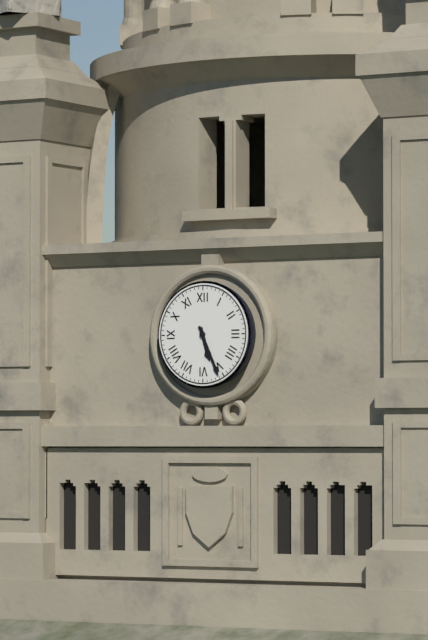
5:26
